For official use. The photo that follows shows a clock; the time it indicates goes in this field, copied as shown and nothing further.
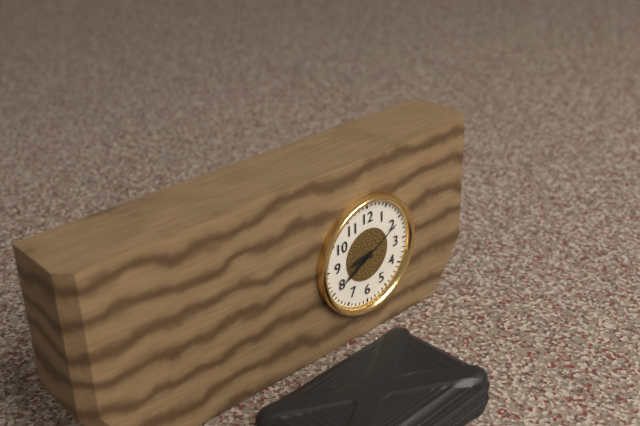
8:40:10
